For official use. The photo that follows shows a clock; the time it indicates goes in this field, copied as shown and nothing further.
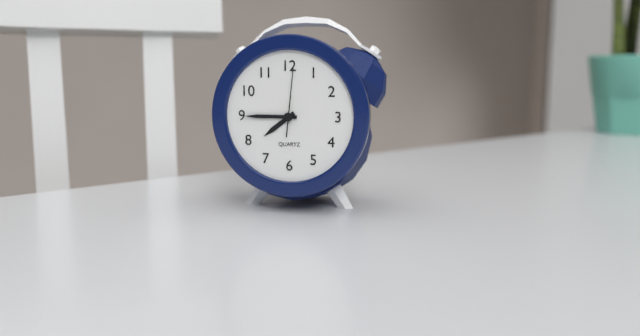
7:45:01
